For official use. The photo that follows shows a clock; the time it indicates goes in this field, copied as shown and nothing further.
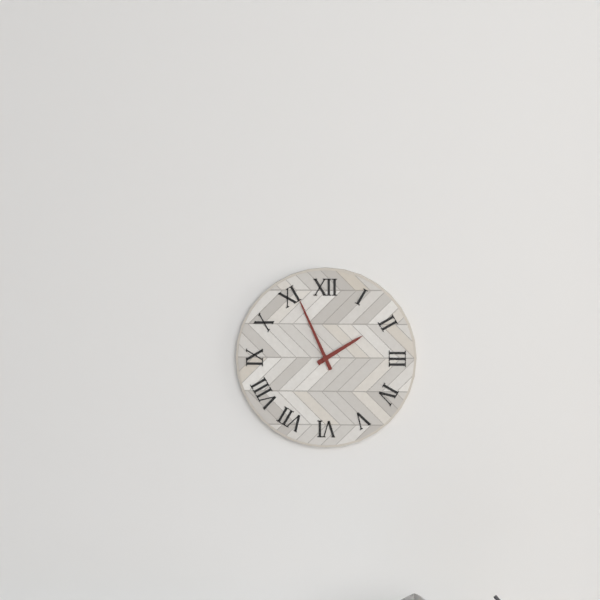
1:56
